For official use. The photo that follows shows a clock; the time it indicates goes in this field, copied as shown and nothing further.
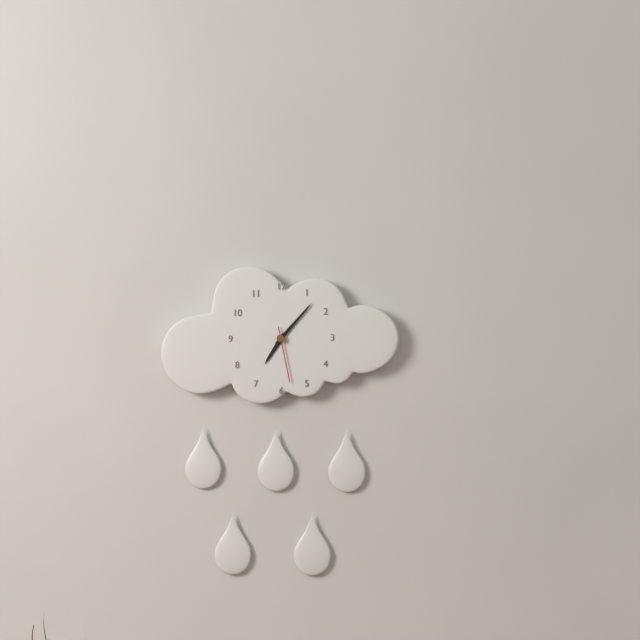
7:07:28
